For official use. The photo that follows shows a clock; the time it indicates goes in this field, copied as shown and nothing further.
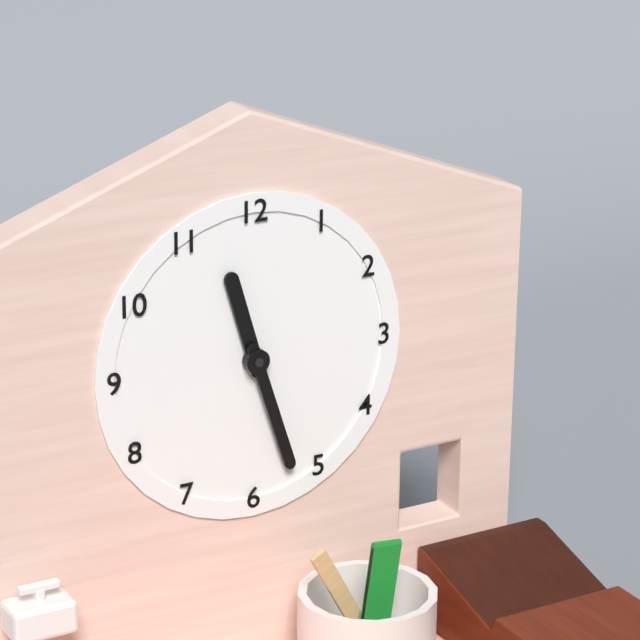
11:27
